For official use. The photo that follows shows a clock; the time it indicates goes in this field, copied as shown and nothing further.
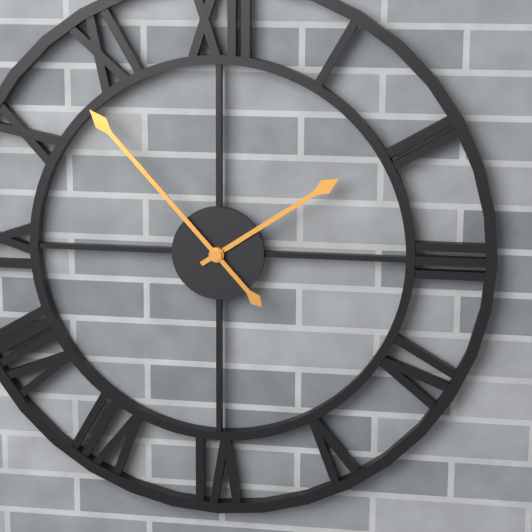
1:53
